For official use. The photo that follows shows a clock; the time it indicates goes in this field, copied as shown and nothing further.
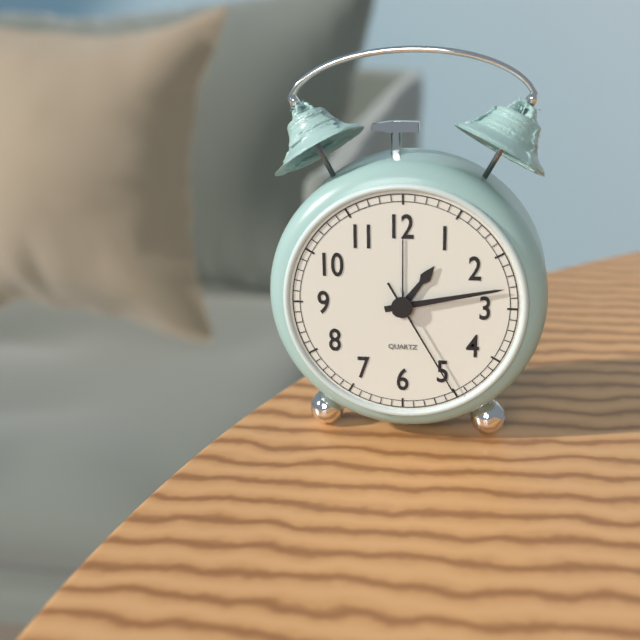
1:13:25
